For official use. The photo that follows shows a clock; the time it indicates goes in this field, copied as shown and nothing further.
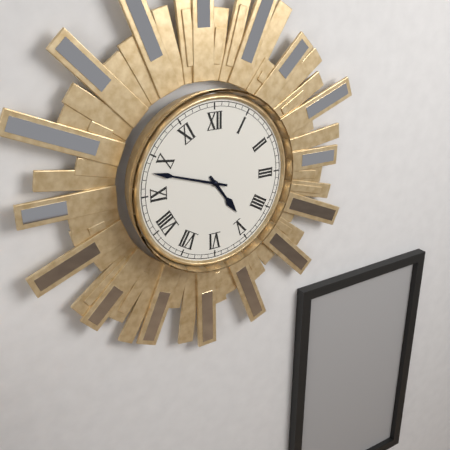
4:48
